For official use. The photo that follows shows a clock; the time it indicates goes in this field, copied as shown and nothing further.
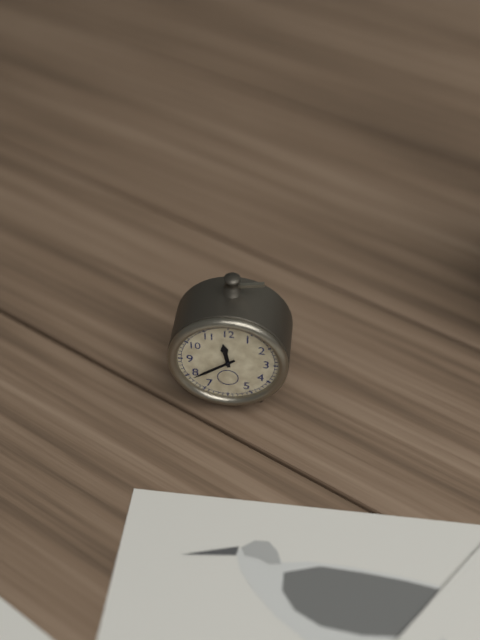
11:39
